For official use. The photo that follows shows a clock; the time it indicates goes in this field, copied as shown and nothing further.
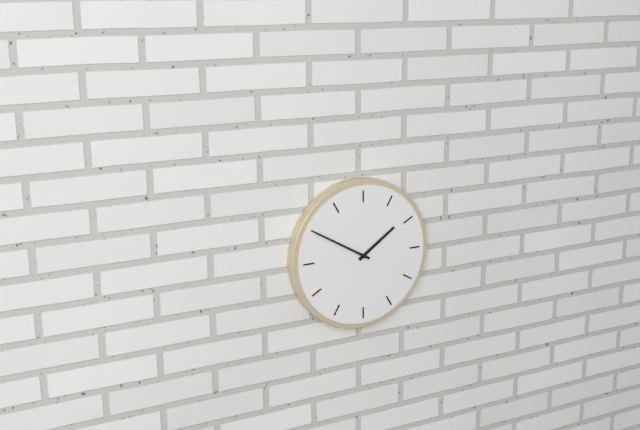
1:50
